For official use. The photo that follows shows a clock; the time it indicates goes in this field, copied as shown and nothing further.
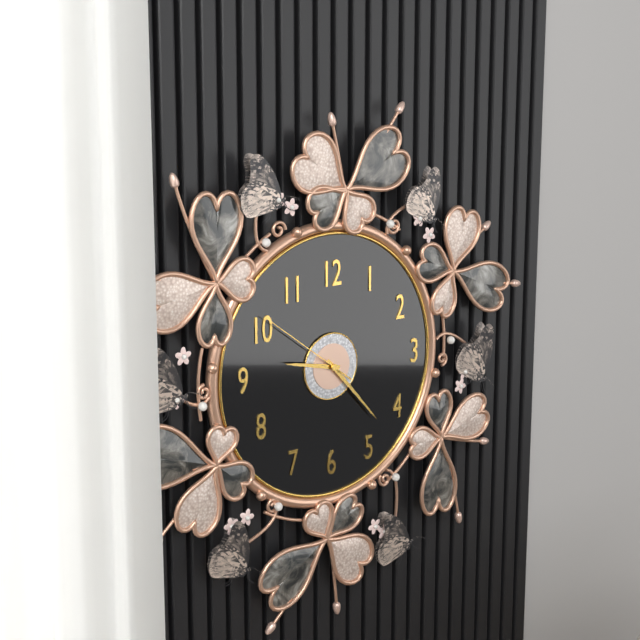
9:23:51
